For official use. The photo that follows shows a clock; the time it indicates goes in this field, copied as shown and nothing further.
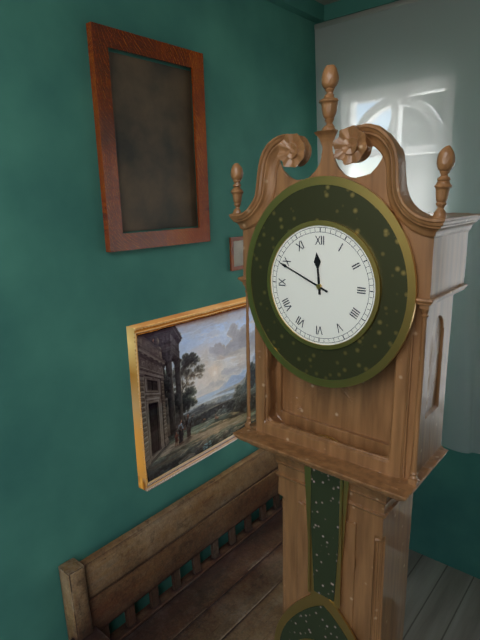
11:49
